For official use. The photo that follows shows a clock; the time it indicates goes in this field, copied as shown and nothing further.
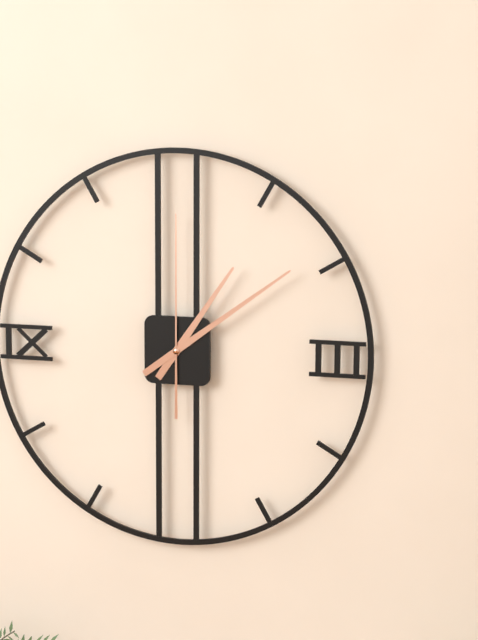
1:09:00
